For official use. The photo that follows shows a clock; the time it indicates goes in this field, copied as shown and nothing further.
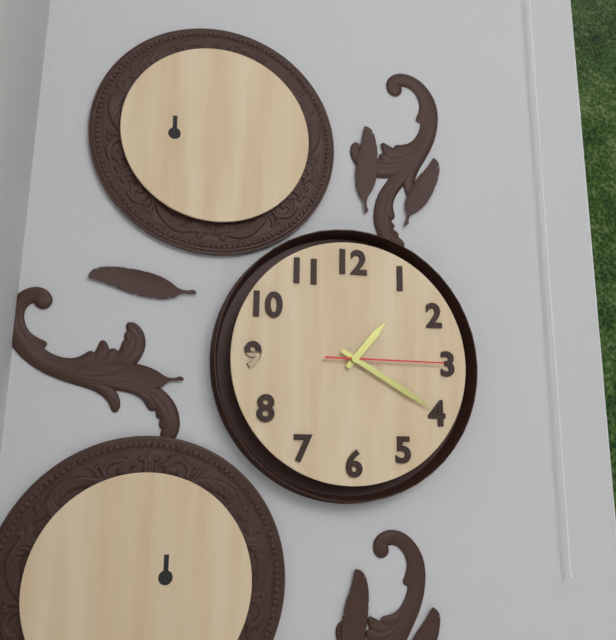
1:20:15
